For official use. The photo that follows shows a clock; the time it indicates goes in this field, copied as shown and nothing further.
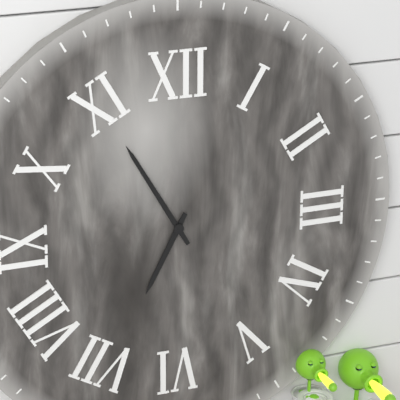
6:55
